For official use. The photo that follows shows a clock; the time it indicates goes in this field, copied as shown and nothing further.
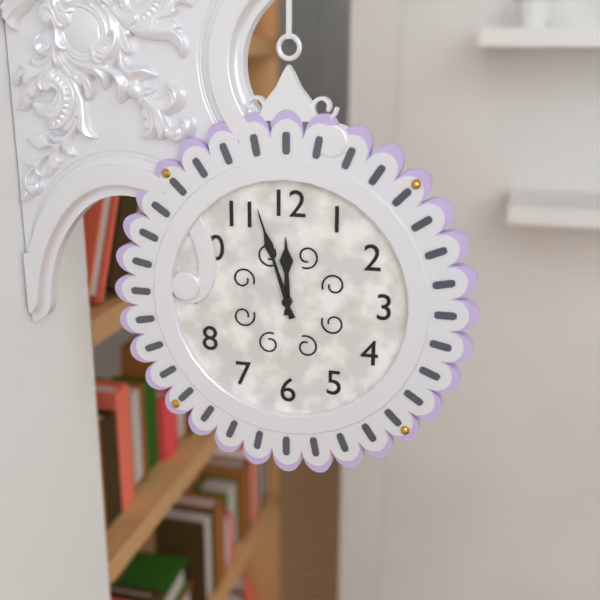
11:57
